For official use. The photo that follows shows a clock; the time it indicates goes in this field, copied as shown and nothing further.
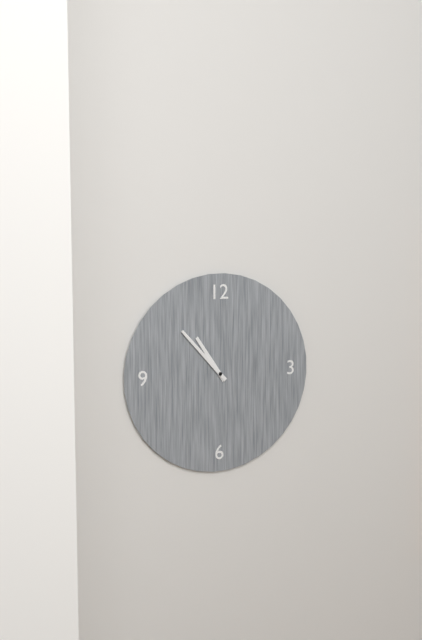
10:53
